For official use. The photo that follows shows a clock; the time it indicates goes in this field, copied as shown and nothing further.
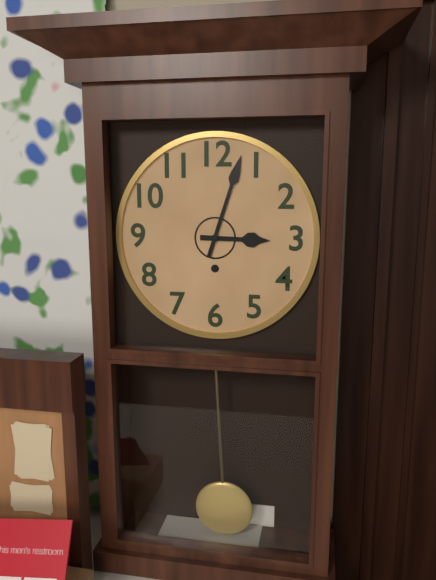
3:03
